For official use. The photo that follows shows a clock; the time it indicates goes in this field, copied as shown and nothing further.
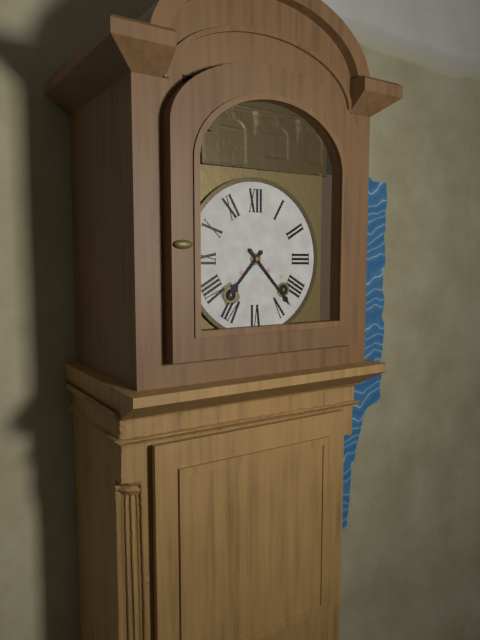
7:23
